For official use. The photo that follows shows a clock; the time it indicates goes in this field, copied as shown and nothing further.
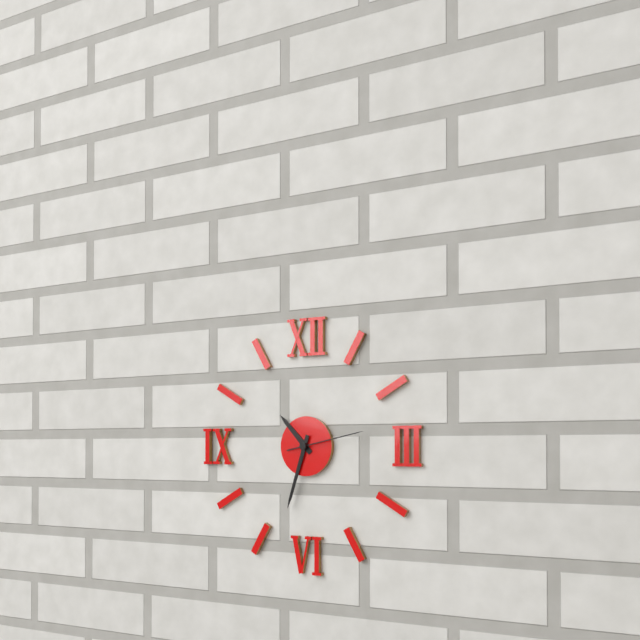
10:33:13
